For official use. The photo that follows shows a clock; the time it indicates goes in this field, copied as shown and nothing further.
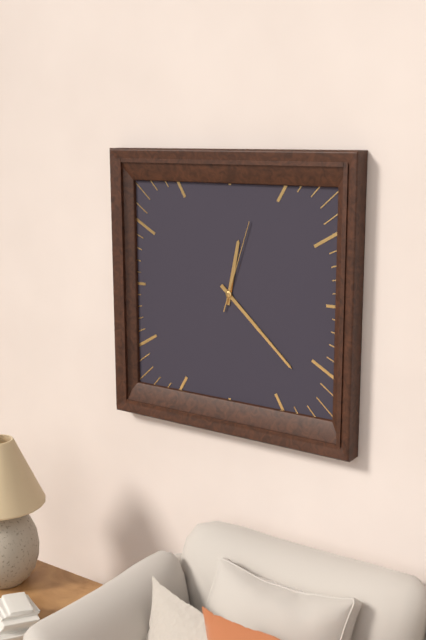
12:22:03
